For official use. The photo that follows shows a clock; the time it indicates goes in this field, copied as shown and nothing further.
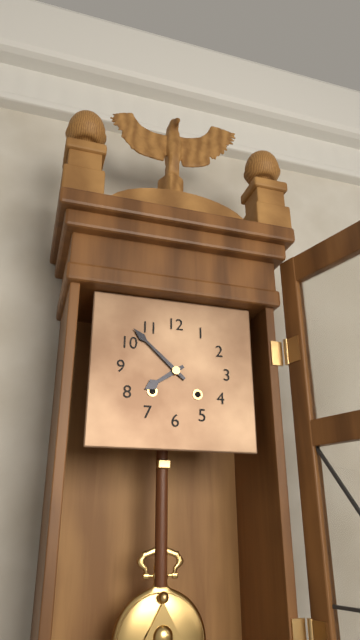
7:52
